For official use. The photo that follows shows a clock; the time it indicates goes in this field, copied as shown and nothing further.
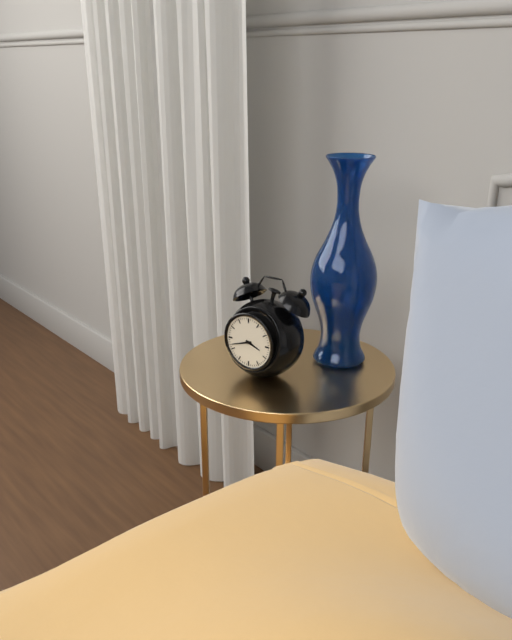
3:42
